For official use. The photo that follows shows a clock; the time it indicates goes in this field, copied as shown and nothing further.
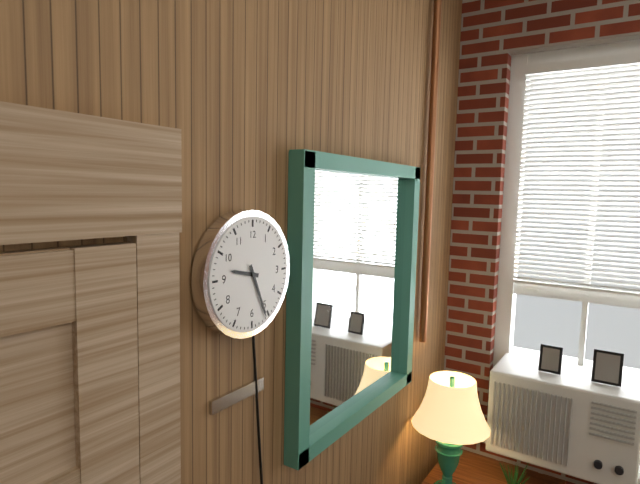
9:26
